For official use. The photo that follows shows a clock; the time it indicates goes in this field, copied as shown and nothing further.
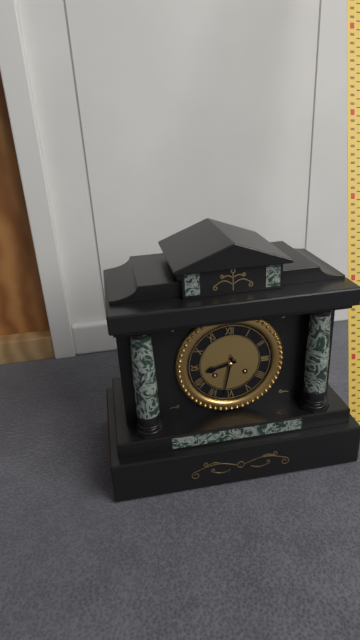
8:32
